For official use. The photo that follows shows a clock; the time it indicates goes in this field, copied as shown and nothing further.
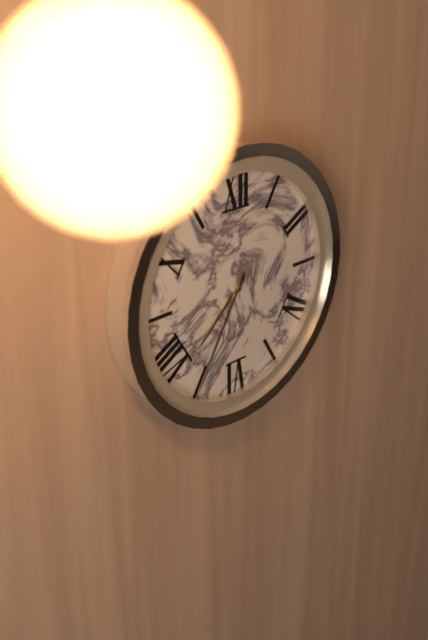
7:35
